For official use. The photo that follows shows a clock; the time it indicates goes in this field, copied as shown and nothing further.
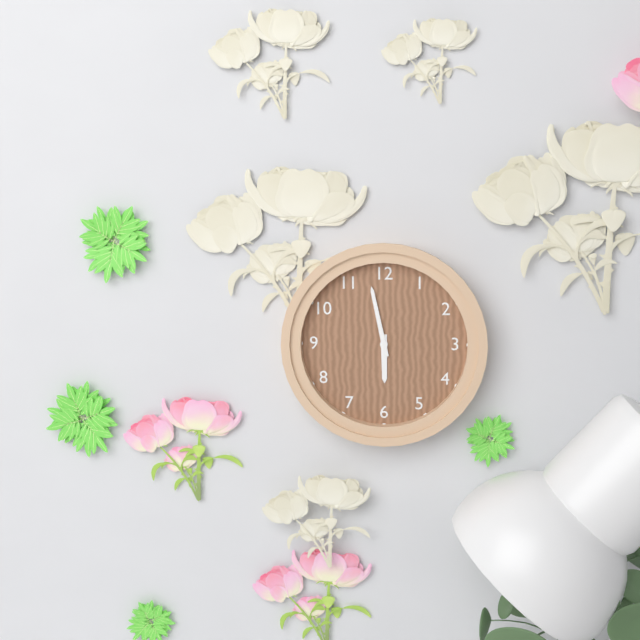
5:58
